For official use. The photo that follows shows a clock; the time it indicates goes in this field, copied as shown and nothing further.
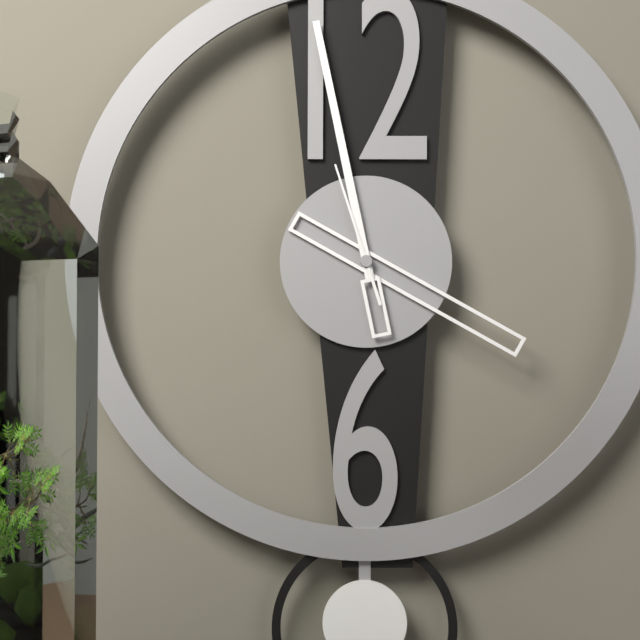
3:58:57
